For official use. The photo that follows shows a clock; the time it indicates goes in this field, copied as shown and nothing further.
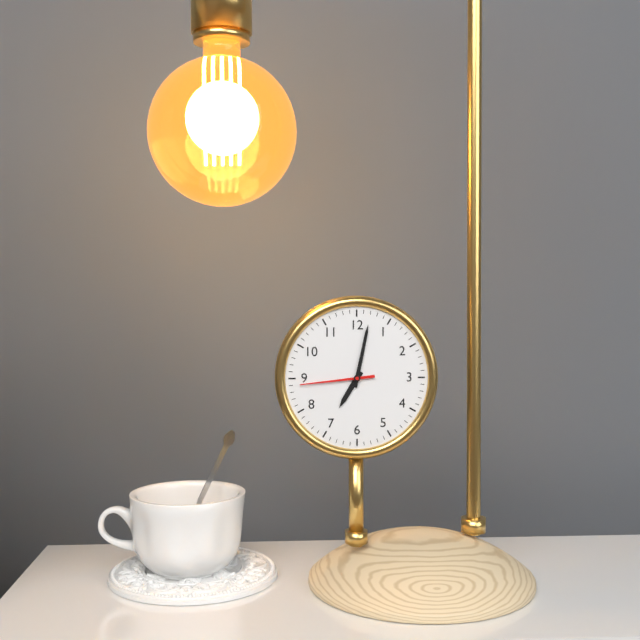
7:02:44
